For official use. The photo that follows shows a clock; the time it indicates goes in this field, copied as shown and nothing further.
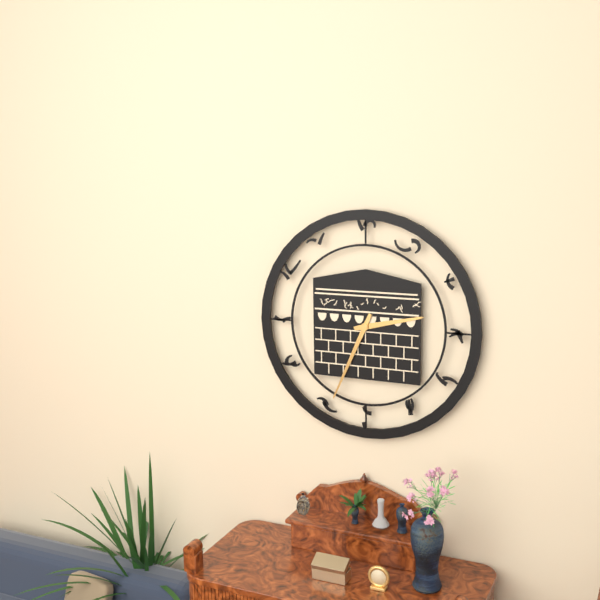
2:34
